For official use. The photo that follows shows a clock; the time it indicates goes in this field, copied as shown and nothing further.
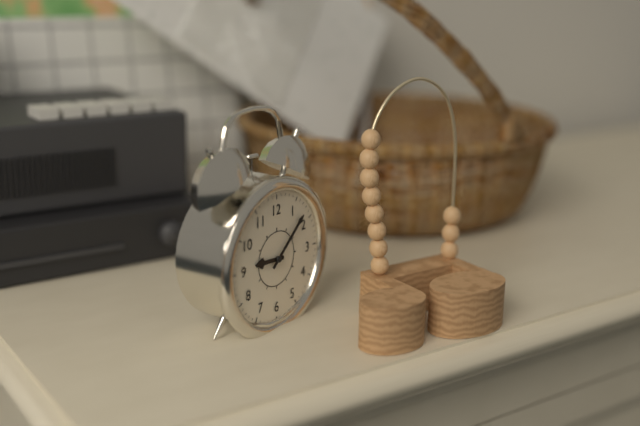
9:08
